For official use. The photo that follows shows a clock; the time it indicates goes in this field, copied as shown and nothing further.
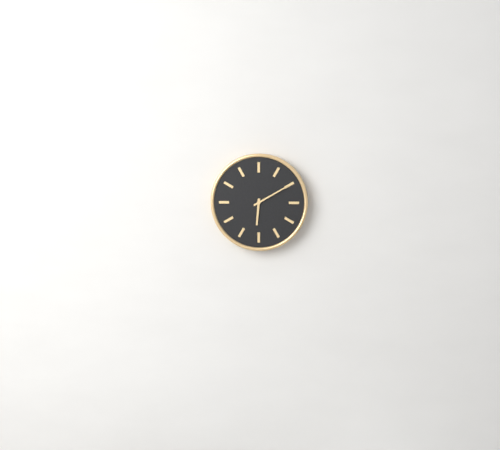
6:10
